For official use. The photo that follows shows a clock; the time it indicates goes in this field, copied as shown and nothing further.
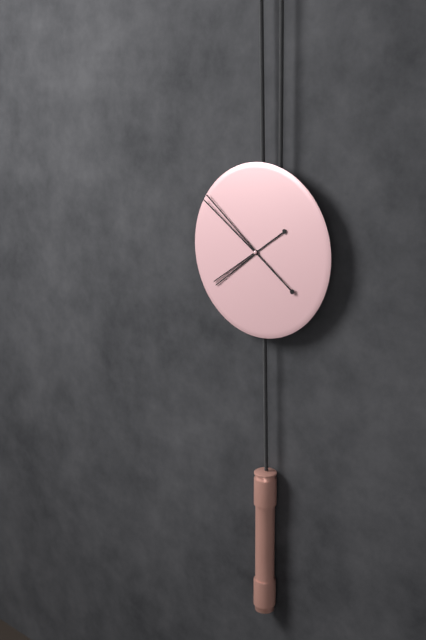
7:51
